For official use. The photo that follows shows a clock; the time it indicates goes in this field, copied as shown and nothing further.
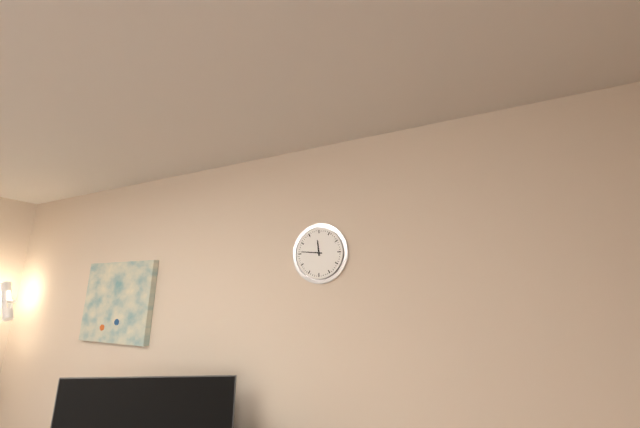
11:46
